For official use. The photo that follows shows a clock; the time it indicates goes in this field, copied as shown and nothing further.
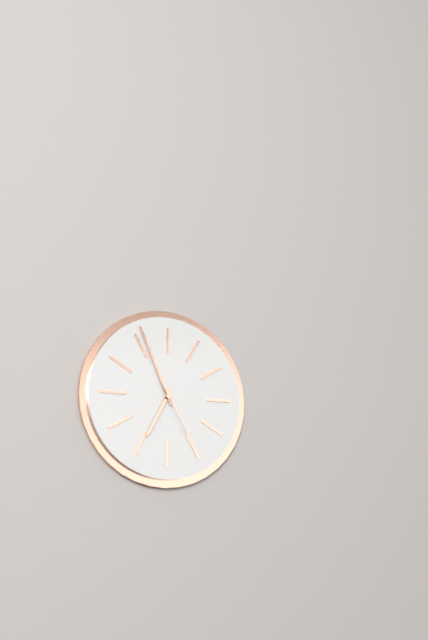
6:56:25
